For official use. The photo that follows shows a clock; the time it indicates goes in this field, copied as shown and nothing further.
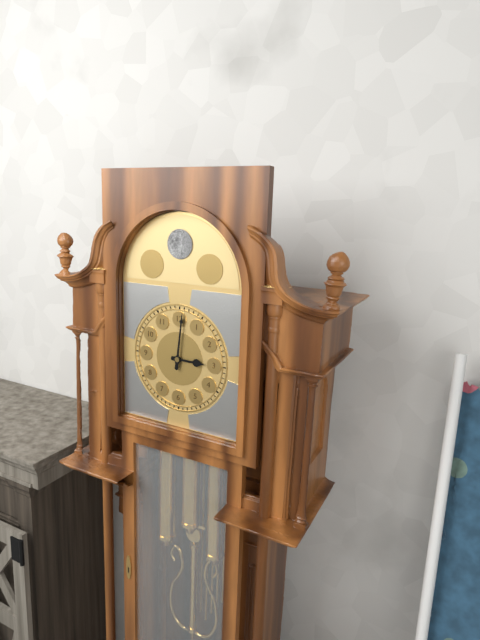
3:01
